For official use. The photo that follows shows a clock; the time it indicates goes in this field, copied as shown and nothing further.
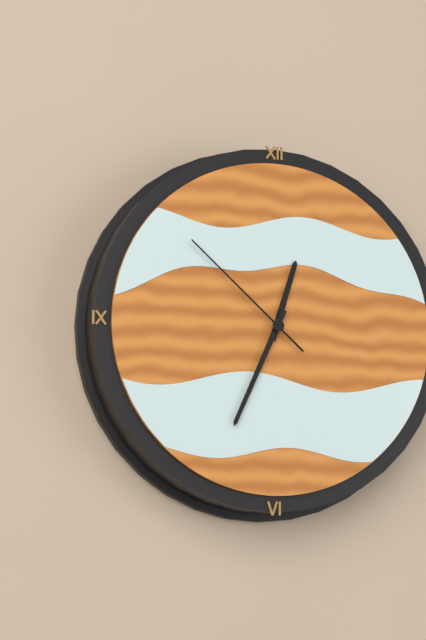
12:34:52
